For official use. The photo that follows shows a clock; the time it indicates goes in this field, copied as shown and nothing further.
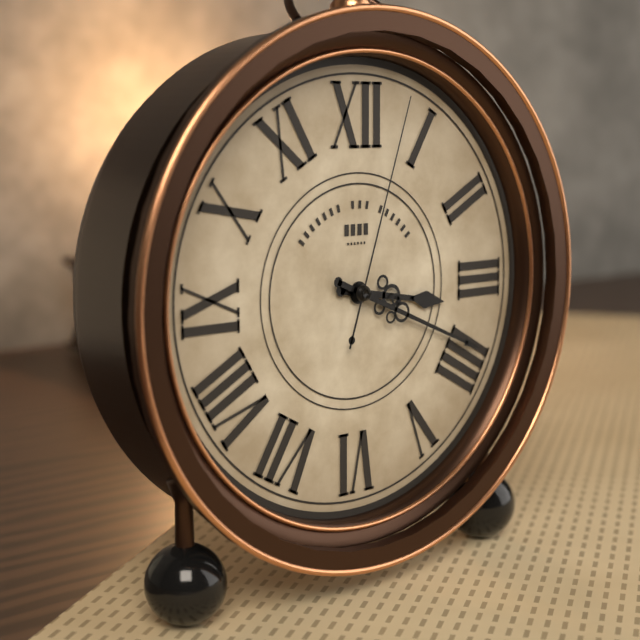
3:19:03
